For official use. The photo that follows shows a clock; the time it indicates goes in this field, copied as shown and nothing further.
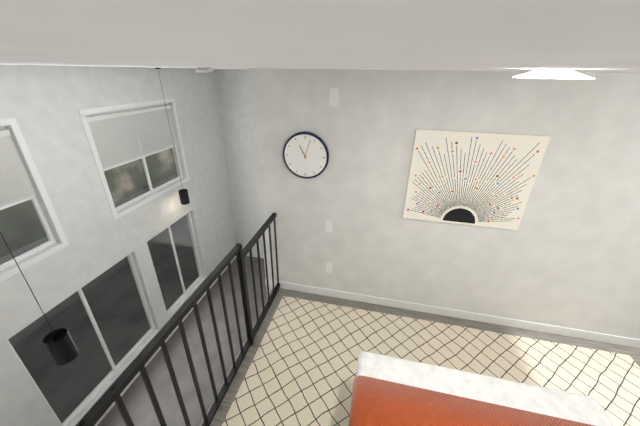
11:03
